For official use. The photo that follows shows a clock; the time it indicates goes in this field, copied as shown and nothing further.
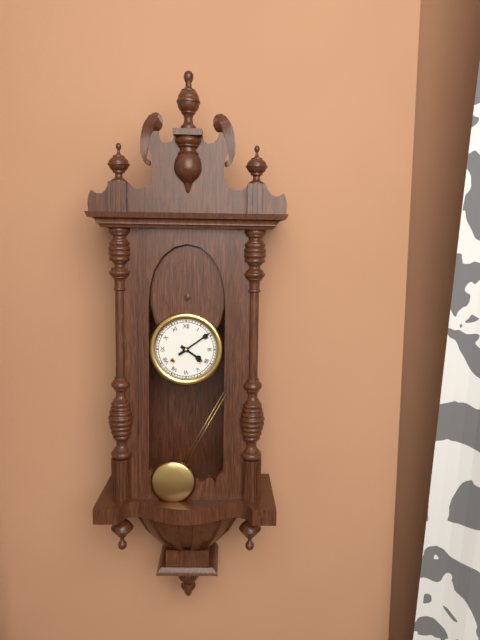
4:09
